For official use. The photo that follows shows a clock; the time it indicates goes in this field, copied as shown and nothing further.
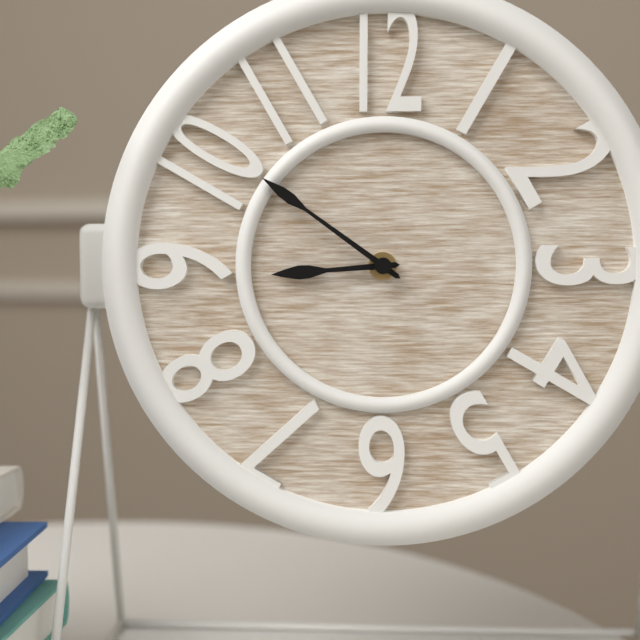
8:51
